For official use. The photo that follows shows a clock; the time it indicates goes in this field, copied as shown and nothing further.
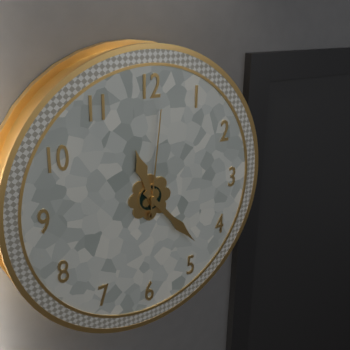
11:23:01
